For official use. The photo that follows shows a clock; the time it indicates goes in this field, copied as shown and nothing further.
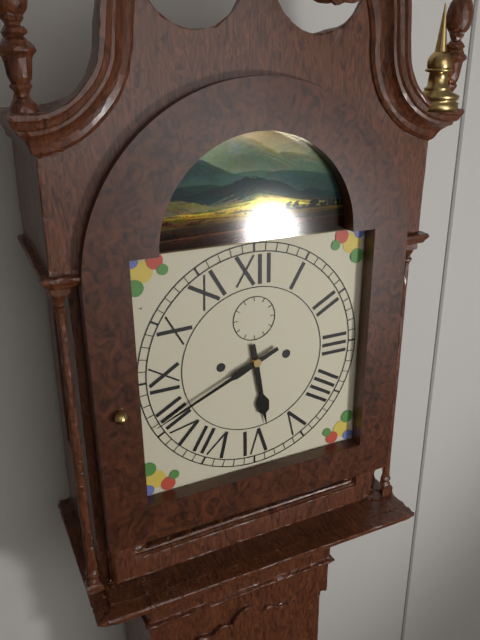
5:41
